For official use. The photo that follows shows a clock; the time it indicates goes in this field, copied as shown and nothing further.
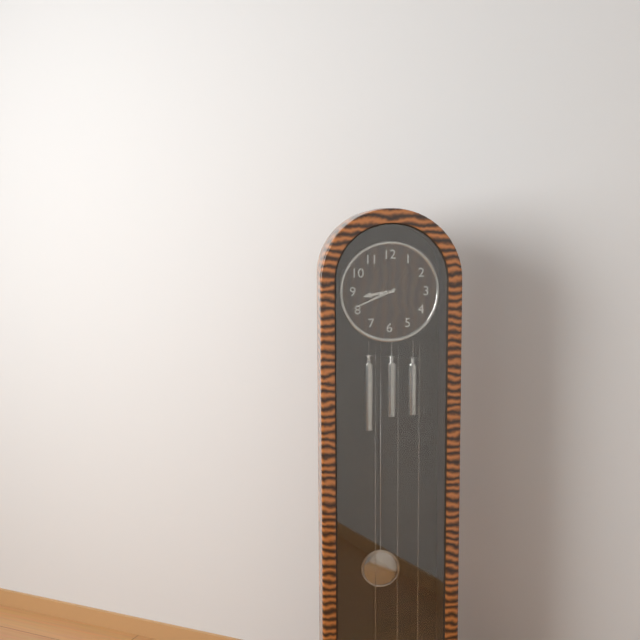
8:41
